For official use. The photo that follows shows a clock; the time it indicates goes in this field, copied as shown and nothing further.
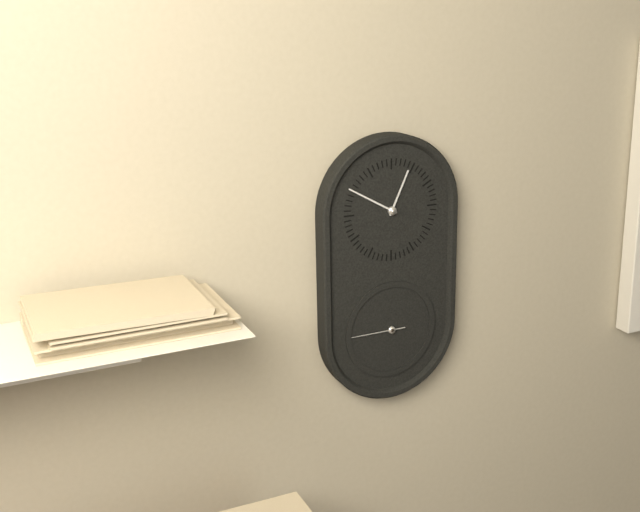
12:50:45
